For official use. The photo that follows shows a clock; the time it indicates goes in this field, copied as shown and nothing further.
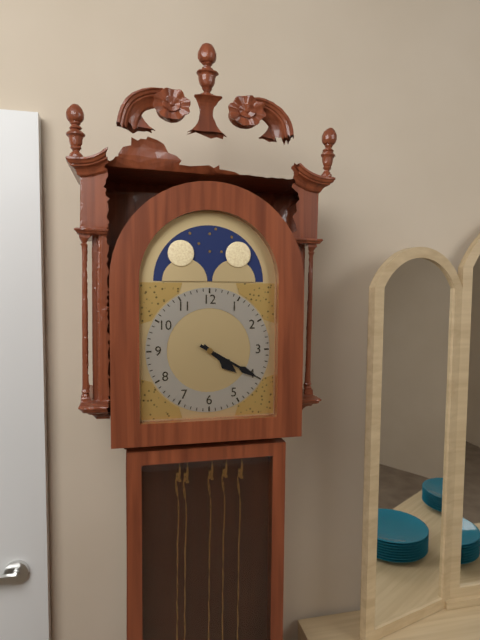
4:20
